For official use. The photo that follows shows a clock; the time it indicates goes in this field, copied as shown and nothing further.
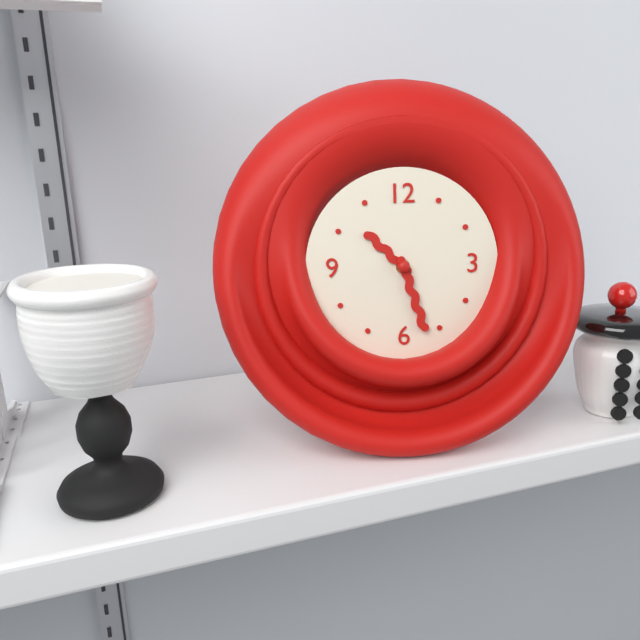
10:27
